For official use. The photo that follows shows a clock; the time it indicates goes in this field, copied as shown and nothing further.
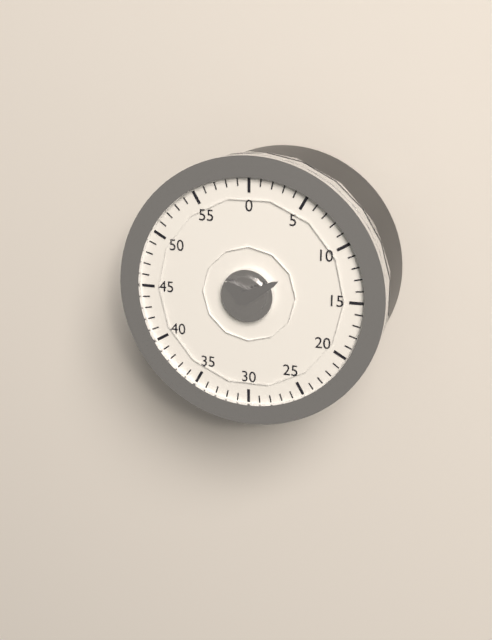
10:10
